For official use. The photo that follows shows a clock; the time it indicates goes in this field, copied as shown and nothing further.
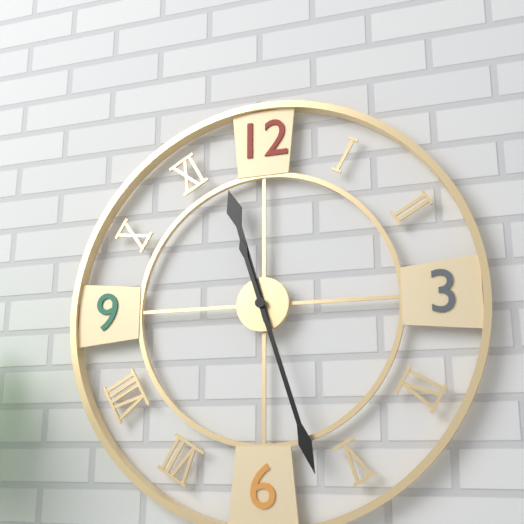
11:27
